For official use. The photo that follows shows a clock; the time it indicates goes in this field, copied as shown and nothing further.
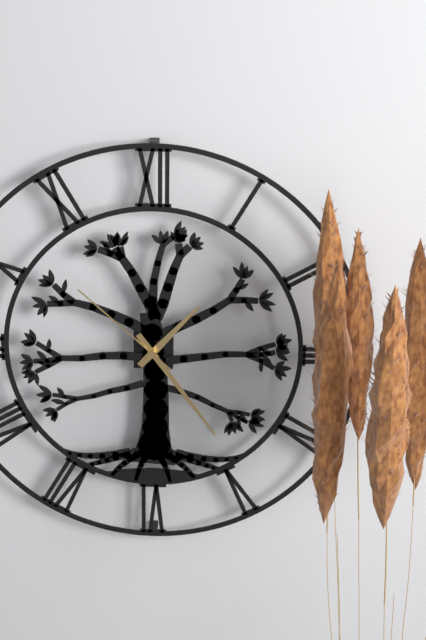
1:24:52
